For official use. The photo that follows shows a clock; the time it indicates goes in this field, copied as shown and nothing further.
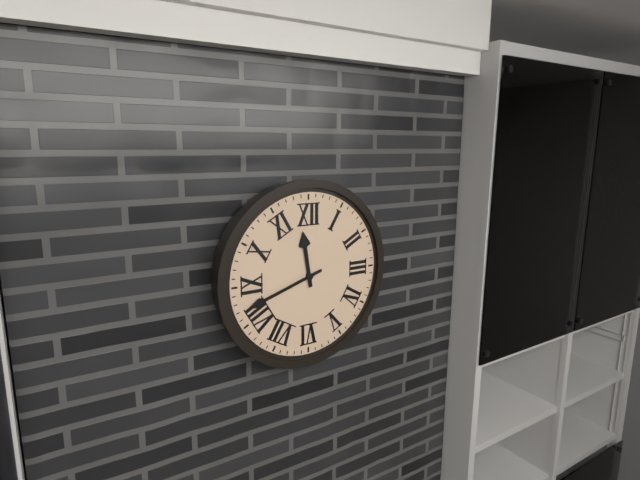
11:42
